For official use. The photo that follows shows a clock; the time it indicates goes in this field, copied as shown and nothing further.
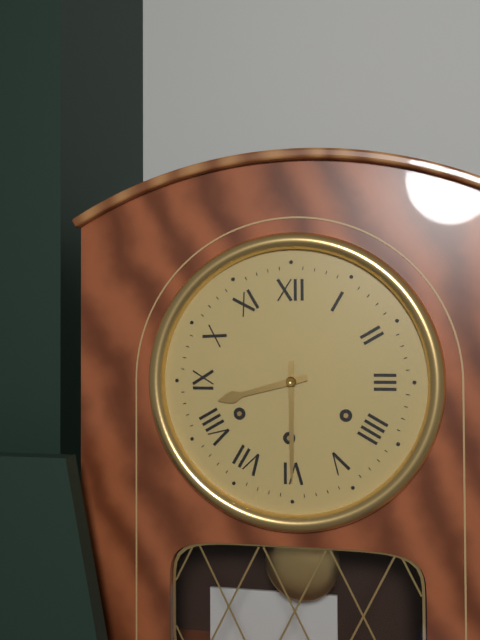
8:30
